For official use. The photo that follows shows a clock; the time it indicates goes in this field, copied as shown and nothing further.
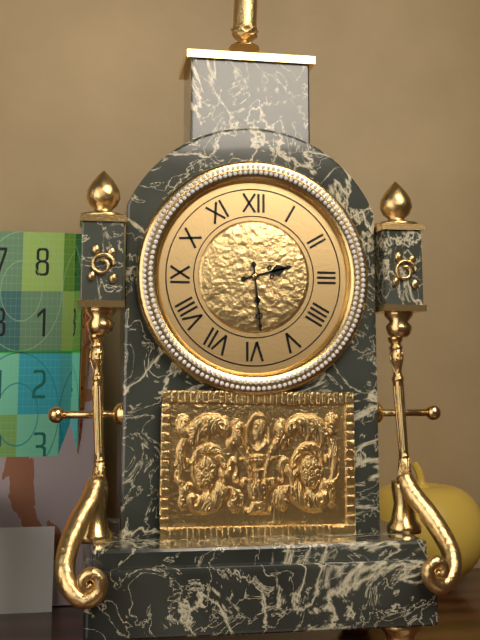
2:29
